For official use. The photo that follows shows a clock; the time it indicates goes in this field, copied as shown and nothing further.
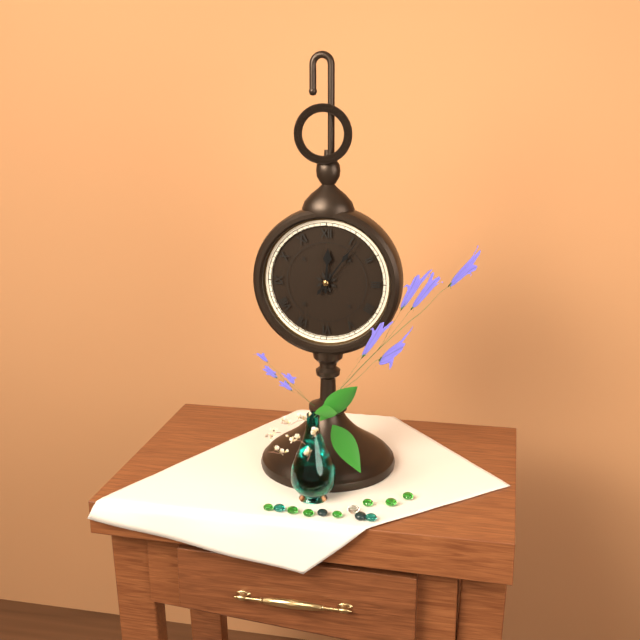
12:06
